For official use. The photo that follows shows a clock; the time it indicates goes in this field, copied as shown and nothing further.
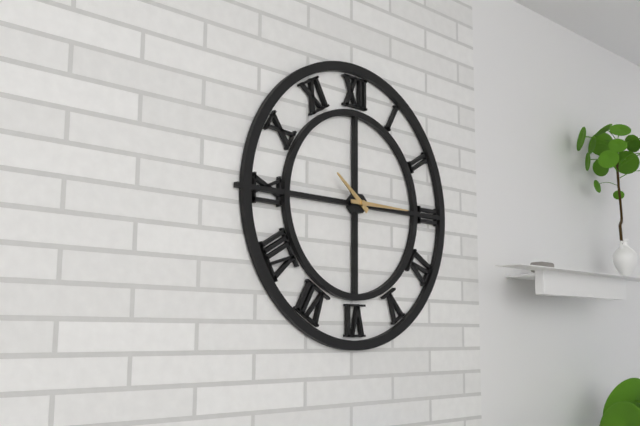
10:15
